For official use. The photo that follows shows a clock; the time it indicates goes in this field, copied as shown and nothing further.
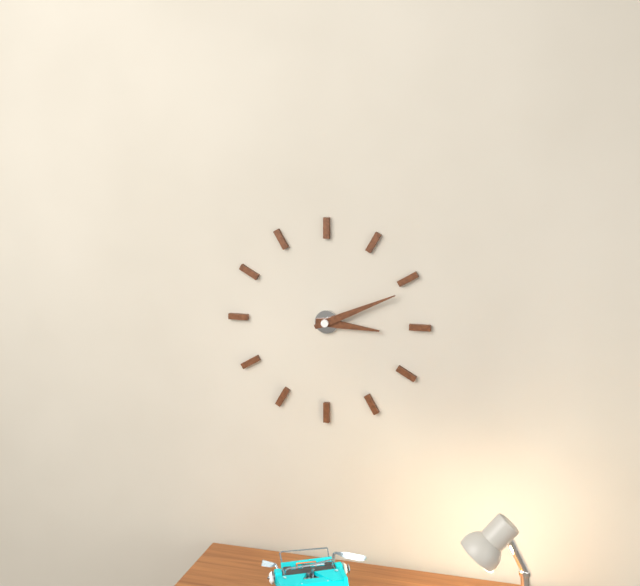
3:11
